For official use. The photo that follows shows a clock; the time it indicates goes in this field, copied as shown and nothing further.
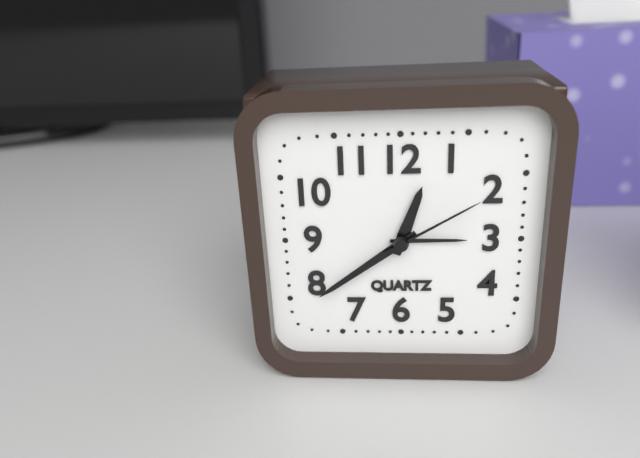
12:39:10
